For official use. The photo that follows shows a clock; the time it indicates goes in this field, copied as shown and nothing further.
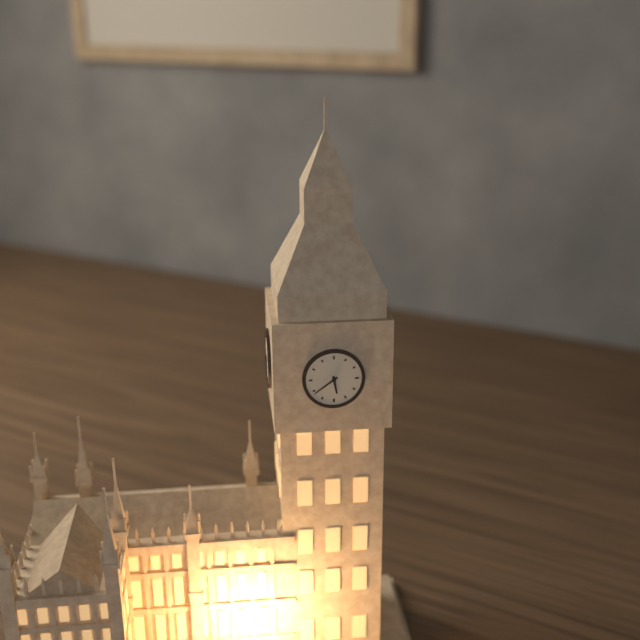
5:39
